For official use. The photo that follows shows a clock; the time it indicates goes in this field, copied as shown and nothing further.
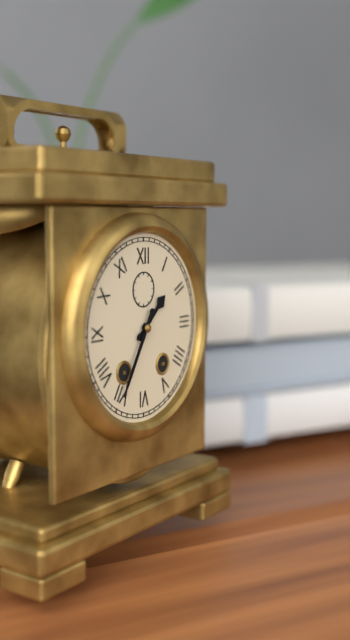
1:35
